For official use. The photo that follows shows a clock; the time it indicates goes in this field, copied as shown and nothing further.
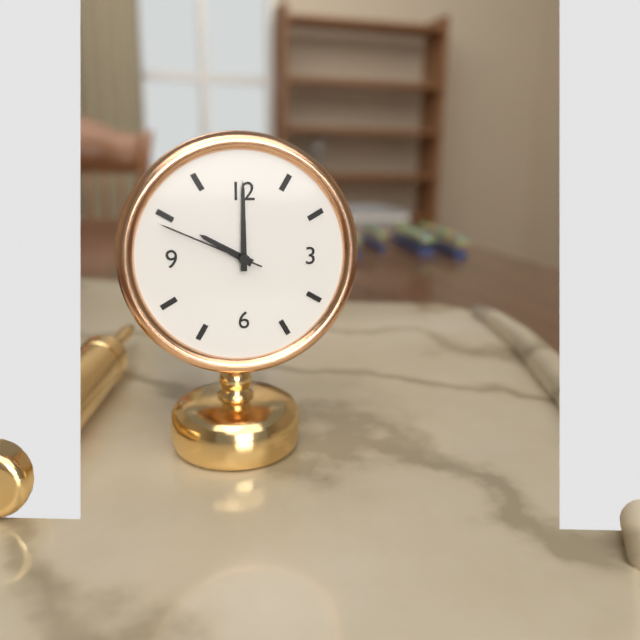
10:00:49
